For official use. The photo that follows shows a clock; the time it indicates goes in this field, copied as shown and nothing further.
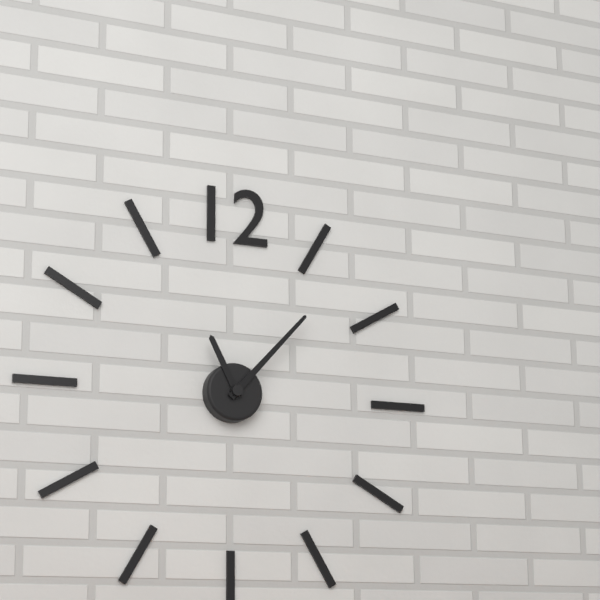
11:07
